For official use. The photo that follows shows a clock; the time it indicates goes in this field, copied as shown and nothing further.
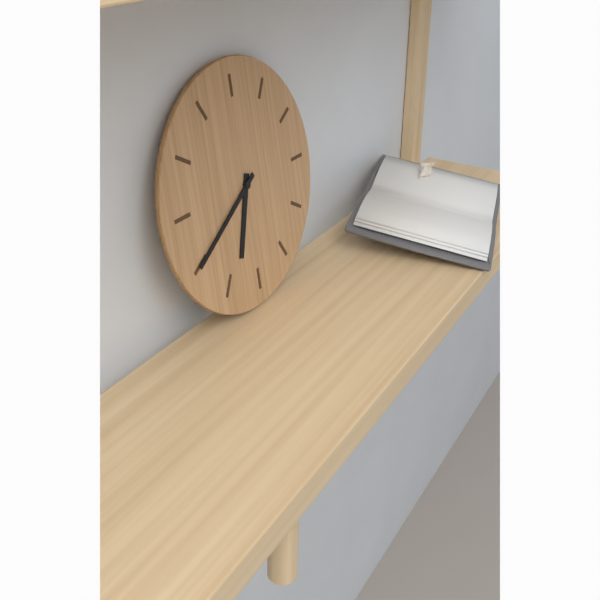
6:40
